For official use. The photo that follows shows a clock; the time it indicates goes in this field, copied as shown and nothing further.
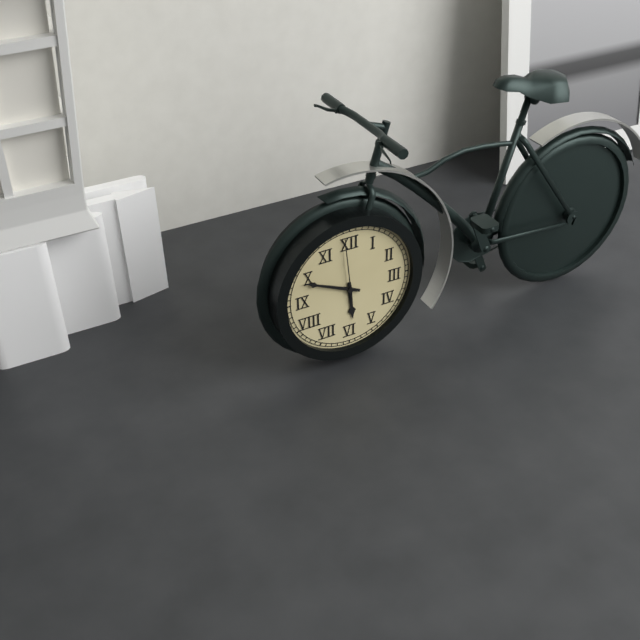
5:49:59
